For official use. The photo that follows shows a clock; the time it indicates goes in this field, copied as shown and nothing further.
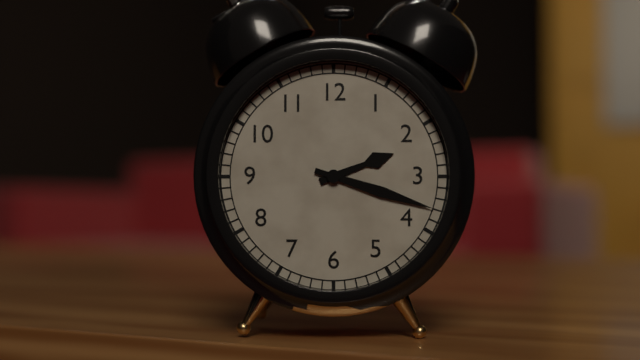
2:18
